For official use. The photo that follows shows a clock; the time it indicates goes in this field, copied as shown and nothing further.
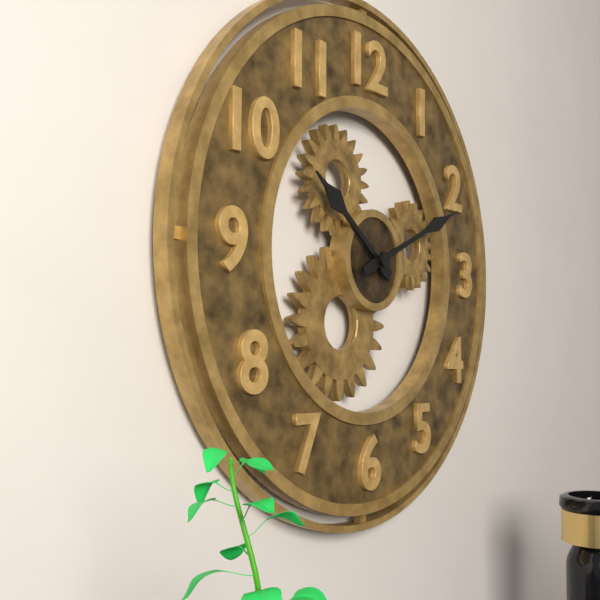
10:11
